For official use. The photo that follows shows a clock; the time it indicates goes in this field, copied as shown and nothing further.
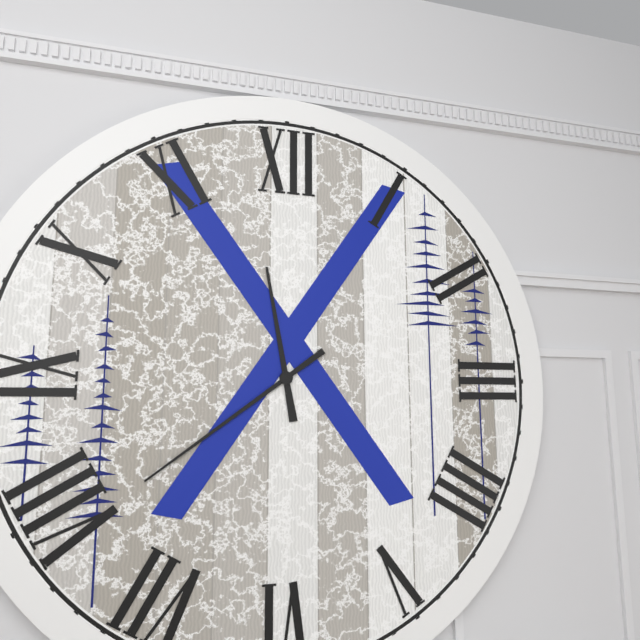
11:39
